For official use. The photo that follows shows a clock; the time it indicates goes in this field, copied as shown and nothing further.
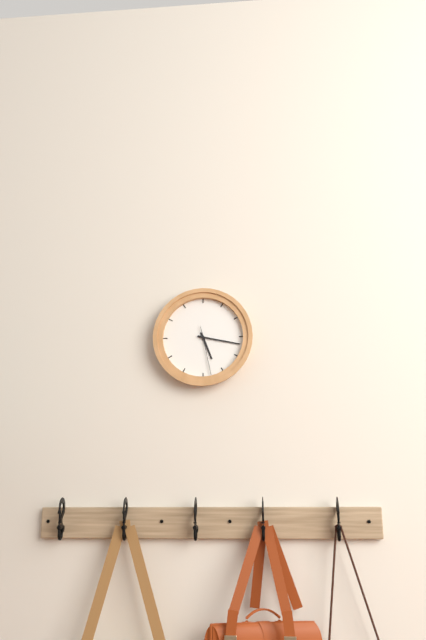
5:17:28
